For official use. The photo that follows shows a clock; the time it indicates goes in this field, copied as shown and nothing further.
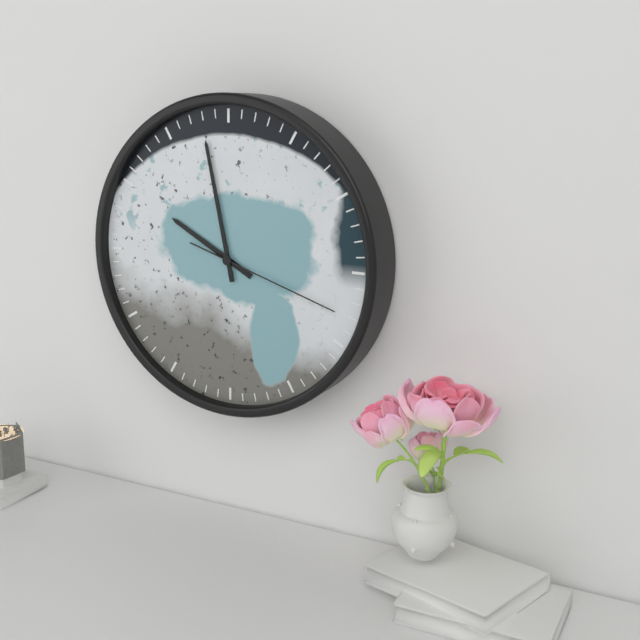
9:58:18
